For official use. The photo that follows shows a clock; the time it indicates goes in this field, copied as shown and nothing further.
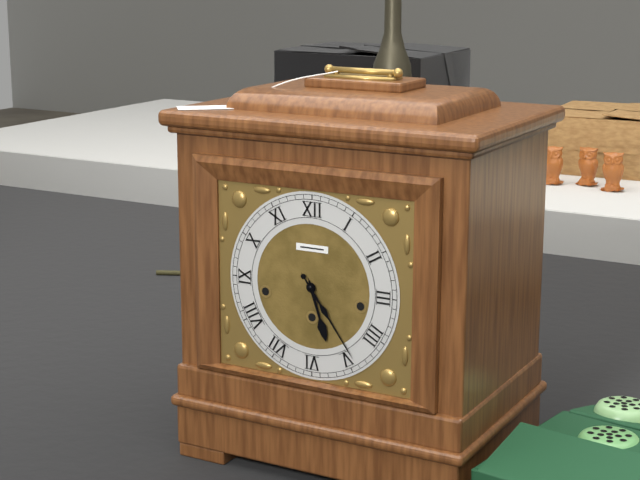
5:24
